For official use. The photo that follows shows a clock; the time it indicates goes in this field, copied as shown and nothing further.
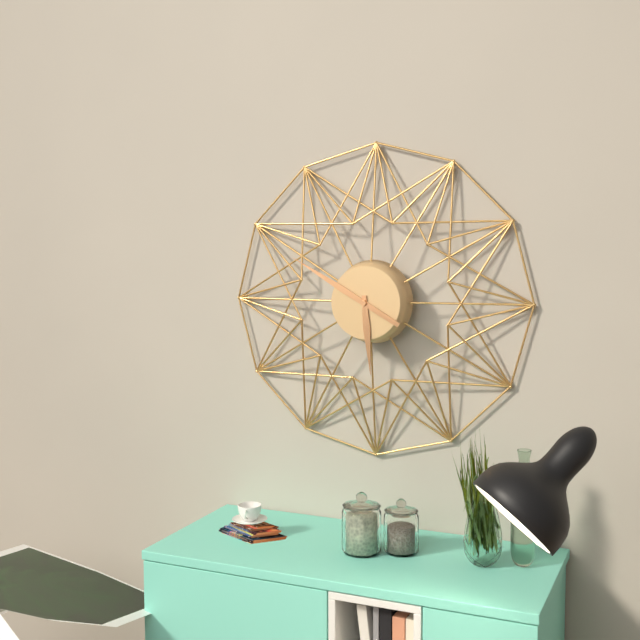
5:50
